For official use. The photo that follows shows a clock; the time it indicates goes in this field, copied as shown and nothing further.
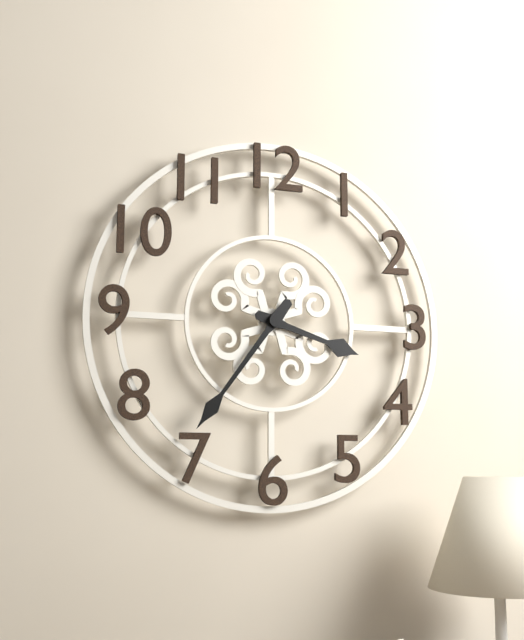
3:36
